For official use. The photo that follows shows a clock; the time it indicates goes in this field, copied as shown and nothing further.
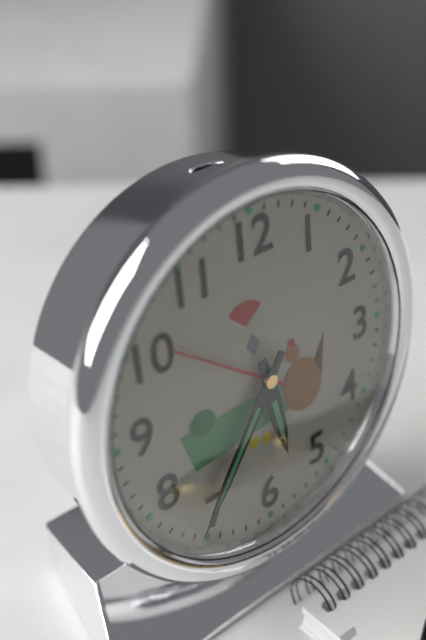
5:36
